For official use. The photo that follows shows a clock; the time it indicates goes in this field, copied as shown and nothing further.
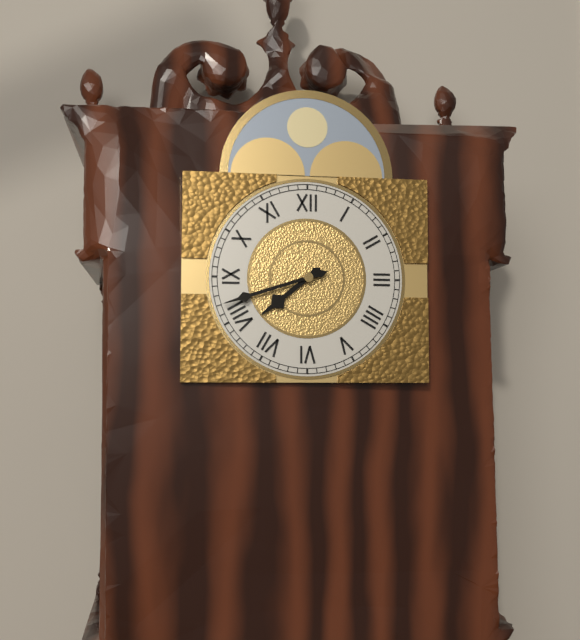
7:42
